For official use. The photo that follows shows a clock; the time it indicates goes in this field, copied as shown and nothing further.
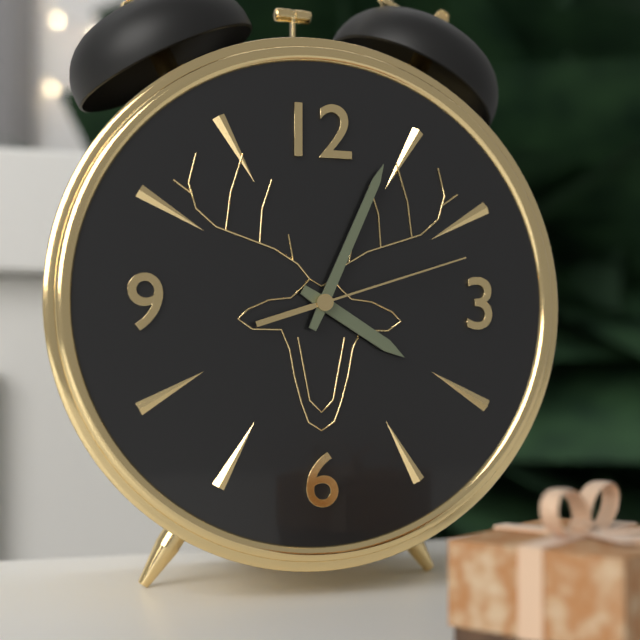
4:04:12
